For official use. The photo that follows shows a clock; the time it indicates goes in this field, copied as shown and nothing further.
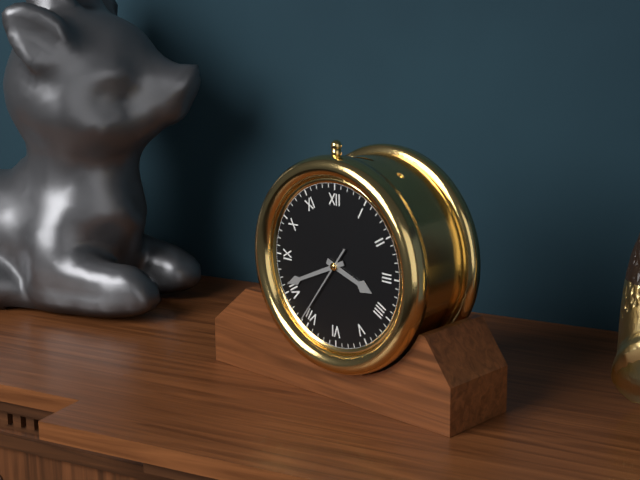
3:41:36
